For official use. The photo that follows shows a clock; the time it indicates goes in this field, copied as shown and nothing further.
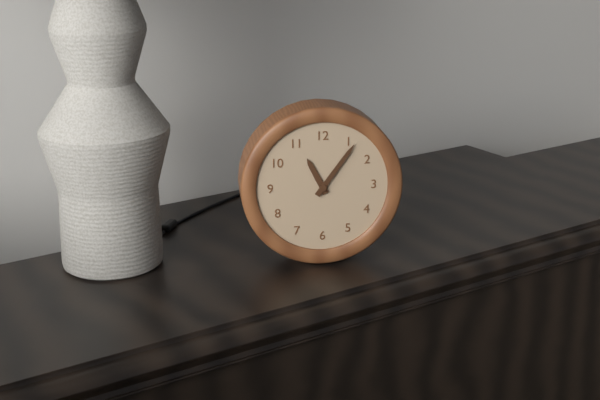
11:06
